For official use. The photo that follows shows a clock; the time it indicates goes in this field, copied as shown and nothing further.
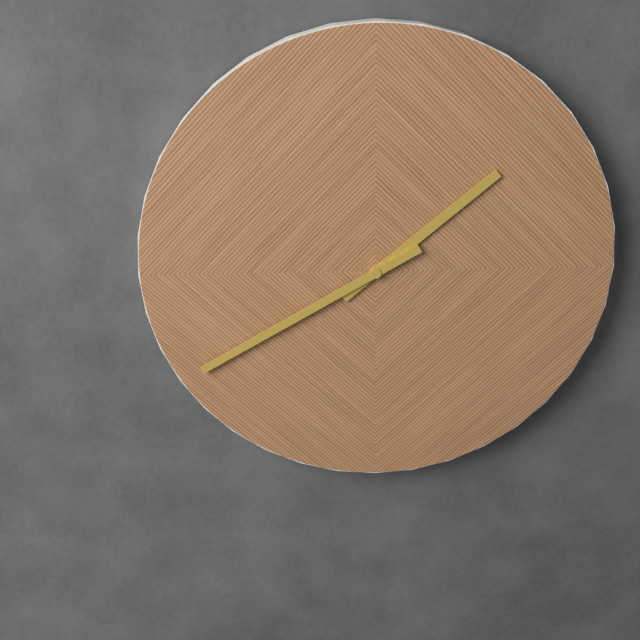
1:40
